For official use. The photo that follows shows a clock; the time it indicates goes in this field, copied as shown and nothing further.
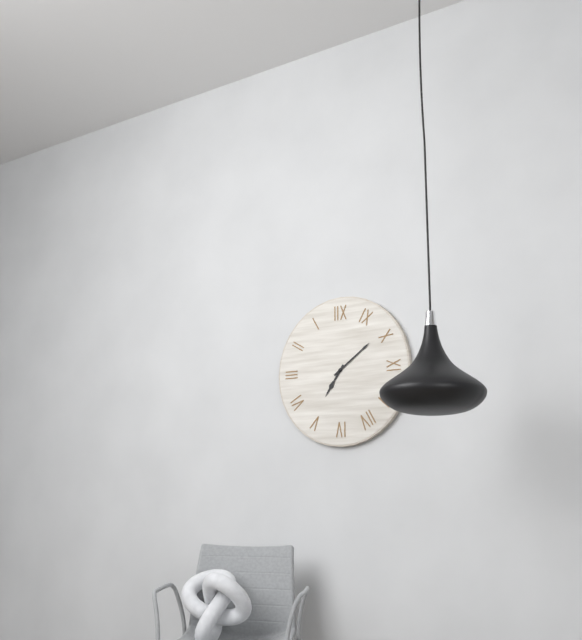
7:09
